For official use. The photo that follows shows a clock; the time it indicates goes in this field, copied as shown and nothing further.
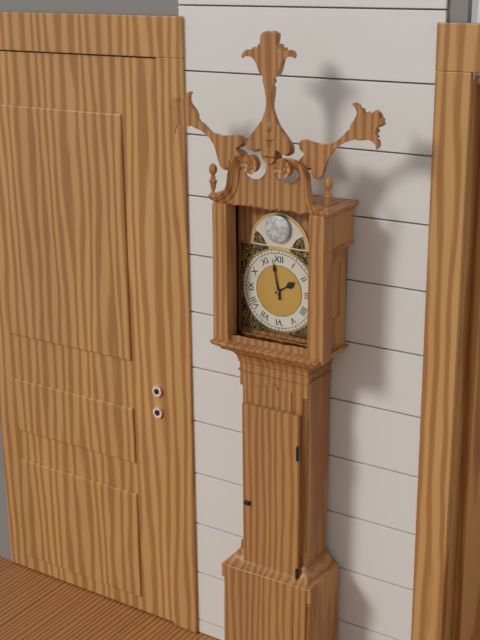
1:58
